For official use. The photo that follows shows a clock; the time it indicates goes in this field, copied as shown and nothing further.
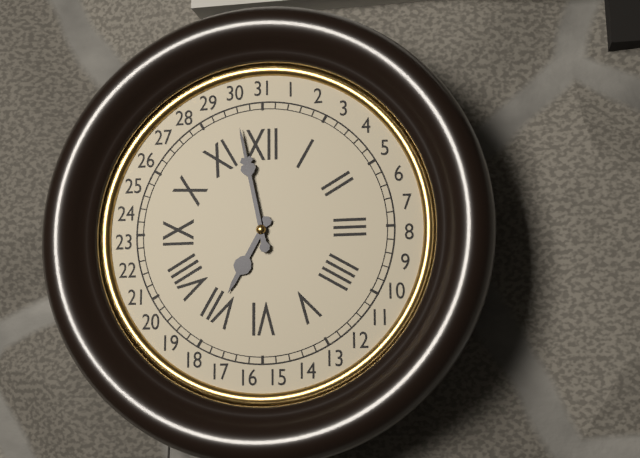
6:58
